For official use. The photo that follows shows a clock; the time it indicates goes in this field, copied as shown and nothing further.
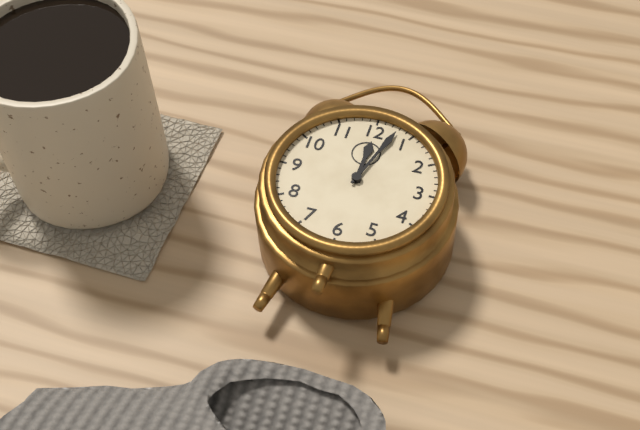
12:03
